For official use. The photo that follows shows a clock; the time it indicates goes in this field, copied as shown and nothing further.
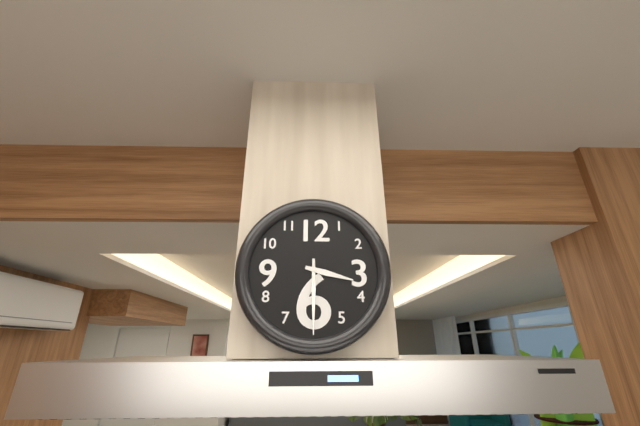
3:30
